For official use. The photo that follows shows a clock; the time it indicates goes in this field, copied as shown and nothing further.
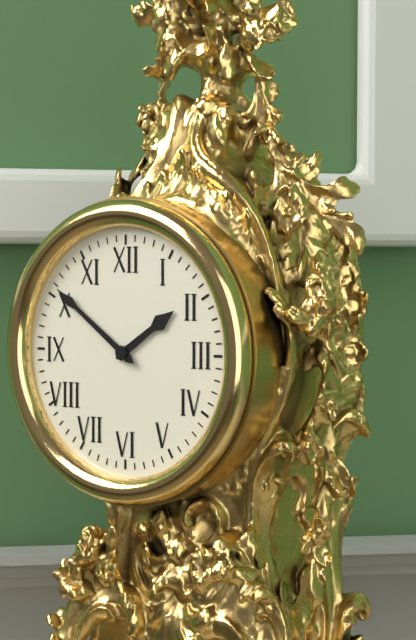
1:51
